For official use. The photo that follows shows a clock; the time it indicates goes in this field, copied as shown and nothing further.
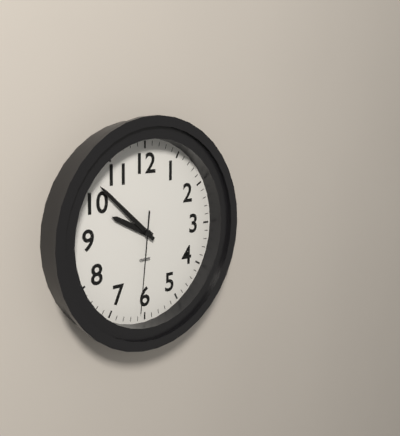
9:52:31
